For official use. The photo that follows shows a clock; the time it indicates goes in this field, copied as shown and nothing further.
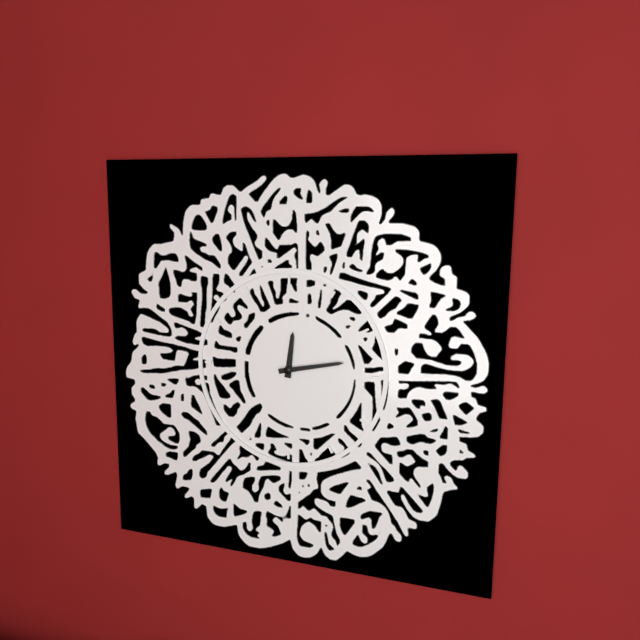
12:13
